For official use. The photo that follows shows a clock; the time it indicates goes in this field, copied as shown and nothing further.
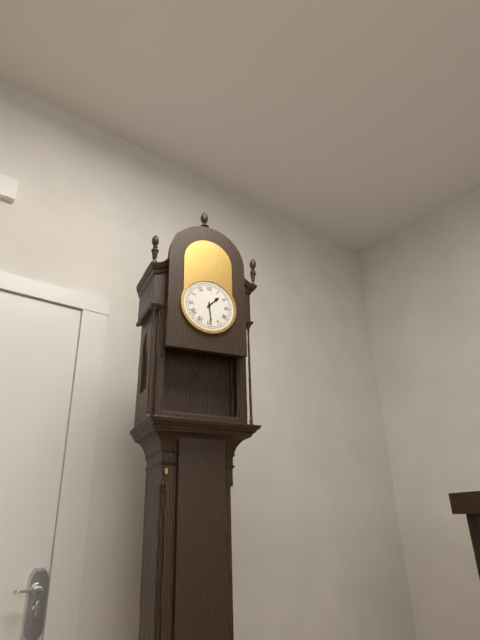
1:29
